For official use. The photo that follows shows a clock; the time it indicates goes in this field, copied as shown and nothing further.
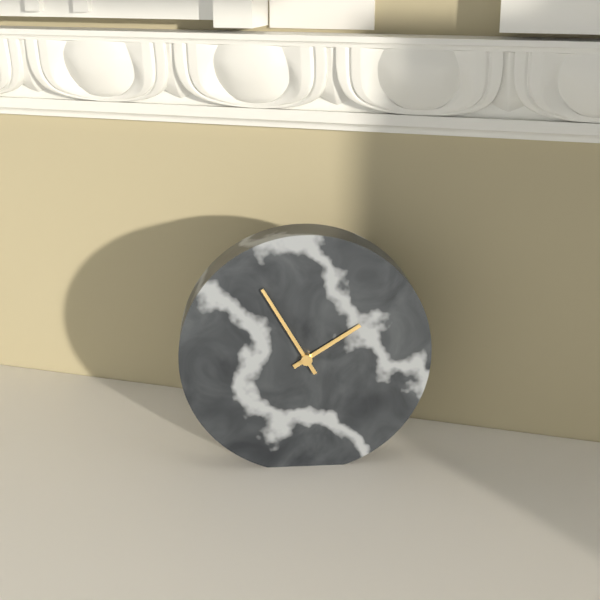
1:55
